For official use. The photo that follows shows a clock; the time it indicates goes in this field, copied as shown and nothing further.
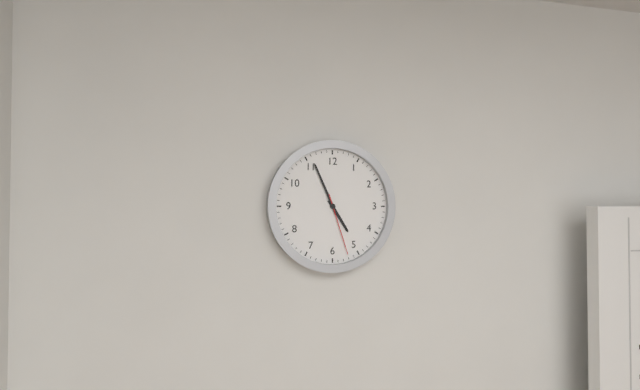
4:56:27
